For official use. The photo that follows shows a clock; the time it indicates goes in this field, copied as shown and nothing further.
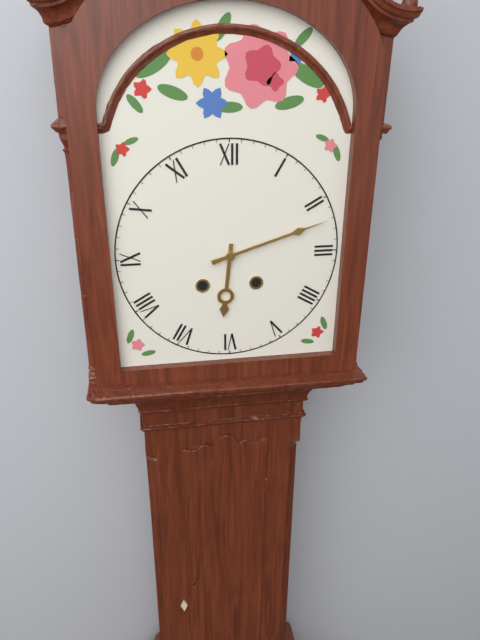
6:12
